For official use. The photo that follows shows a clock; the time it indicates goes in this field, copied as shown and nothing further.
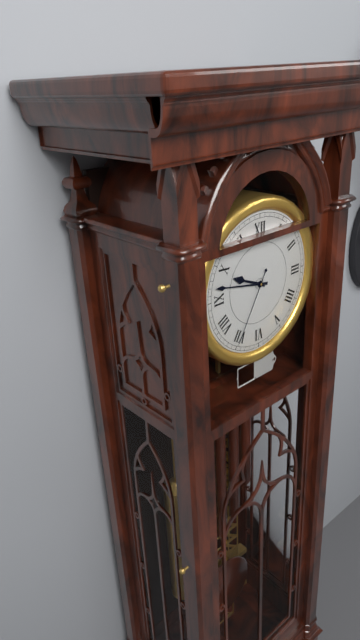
9:47:35
